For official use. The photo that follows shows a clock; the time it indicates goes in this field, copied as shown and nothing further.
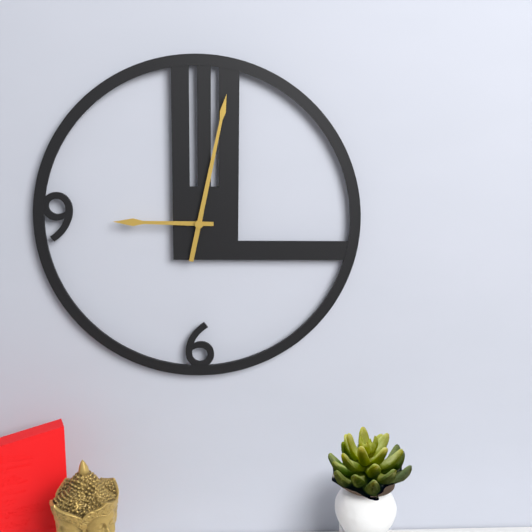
9:02
